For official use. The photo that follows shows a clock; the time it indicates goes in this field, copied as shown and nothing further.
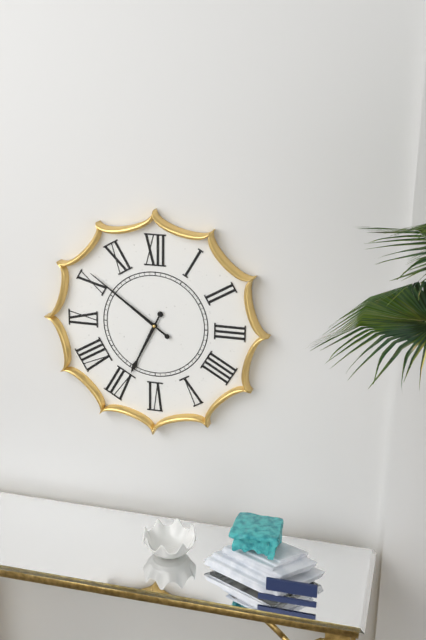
6:51
